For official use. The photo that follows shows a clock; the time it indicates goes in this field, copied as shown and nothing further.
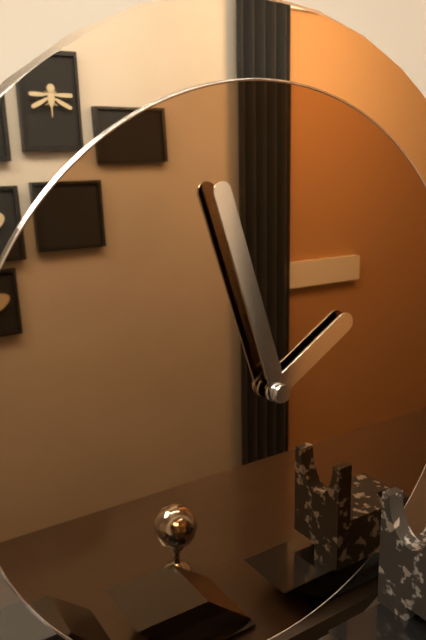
1:57
